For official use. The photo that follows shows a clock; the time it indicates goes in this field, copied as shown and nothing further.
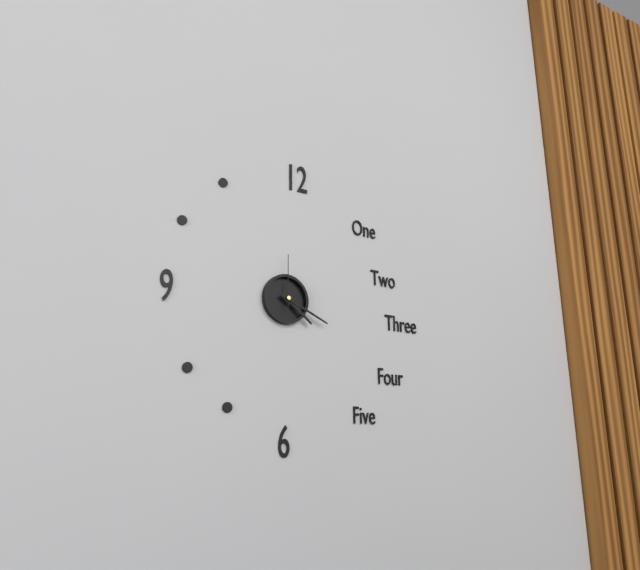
4:19:00
